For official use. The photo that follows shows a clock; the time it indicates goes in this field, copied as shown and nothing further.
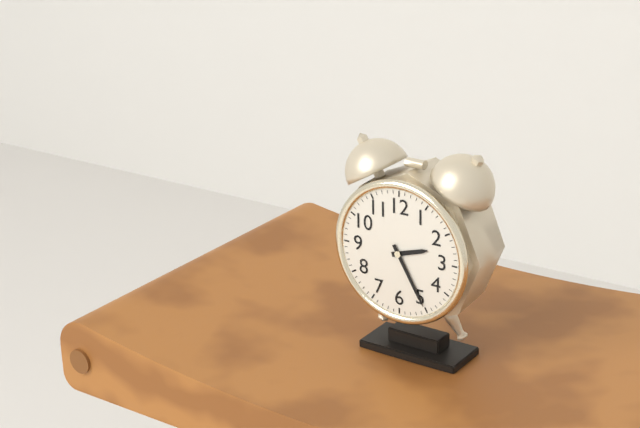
2:25
